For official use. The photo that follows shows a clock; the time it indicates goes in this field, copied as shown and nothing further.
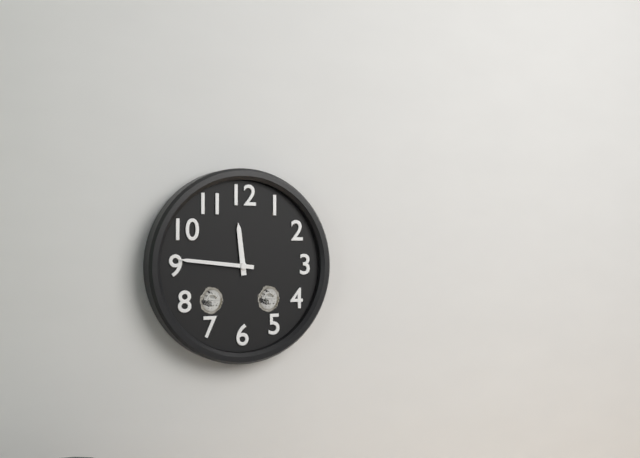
11:46
